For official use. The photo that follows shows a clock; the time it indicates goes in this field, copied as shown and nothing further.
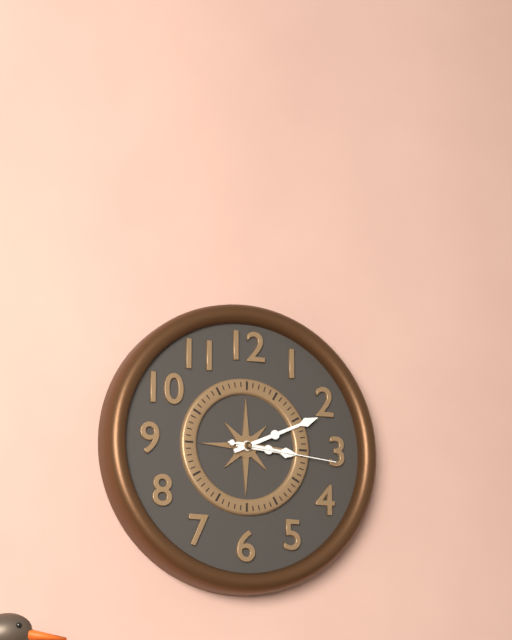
3:11:16
